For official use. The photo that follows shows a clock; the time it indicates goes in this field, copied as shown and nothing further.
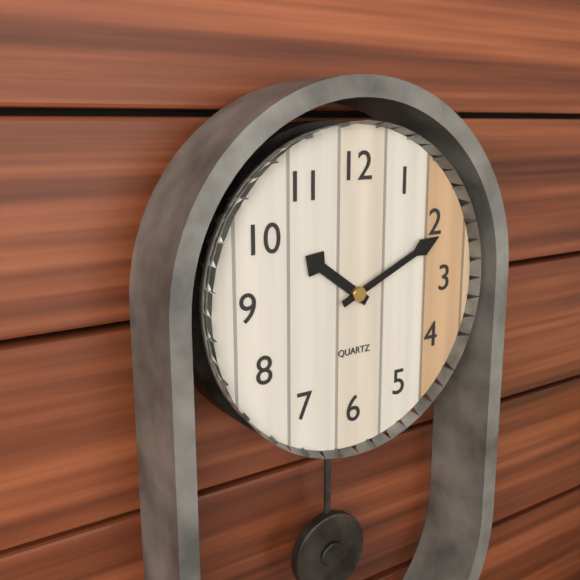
10:11
